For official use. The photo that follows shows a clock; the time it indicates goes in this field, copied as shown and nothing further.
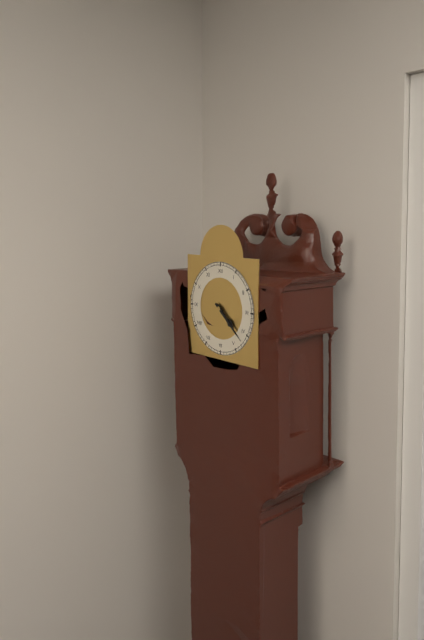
4:22
